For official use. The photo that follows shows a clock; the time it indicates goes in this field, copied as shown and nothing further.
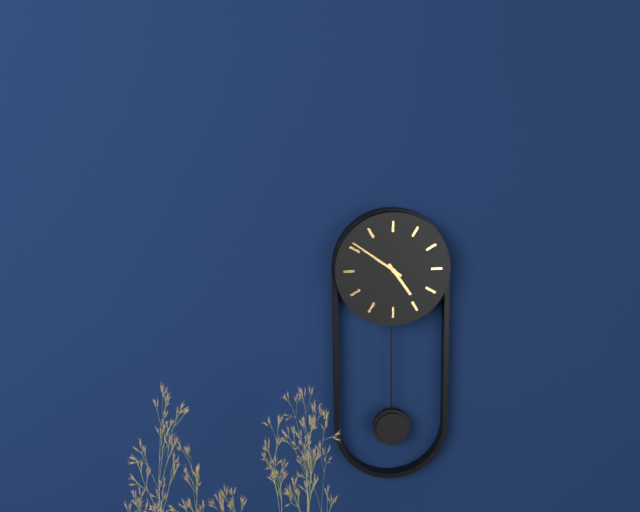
4:51
